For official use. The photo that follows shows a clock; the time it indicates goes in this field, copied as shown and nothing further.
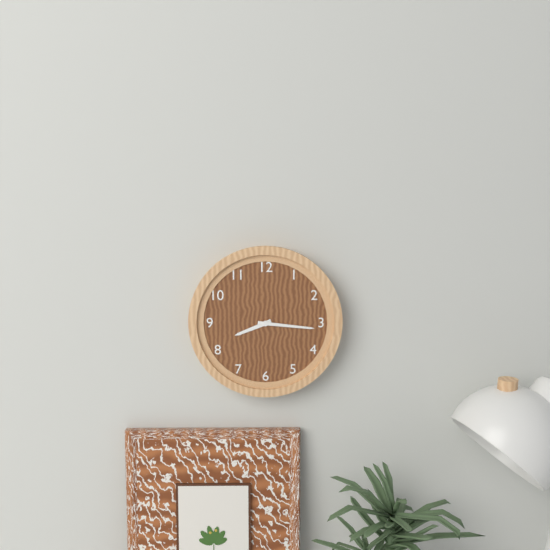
8:16
